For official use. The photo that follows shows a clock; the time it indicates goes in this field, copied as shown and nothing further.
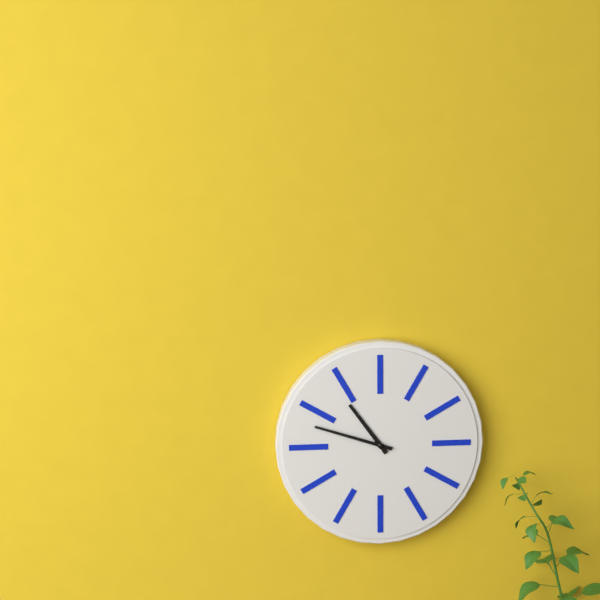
10:48
